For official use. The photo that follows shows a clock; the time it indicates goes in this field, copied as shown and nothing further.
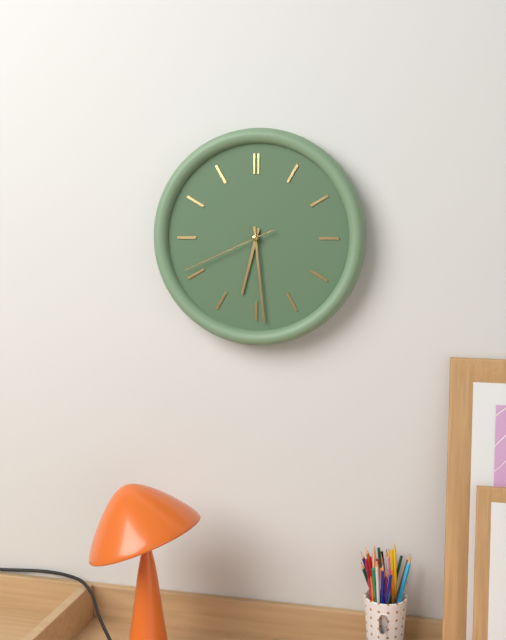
6:29:41
